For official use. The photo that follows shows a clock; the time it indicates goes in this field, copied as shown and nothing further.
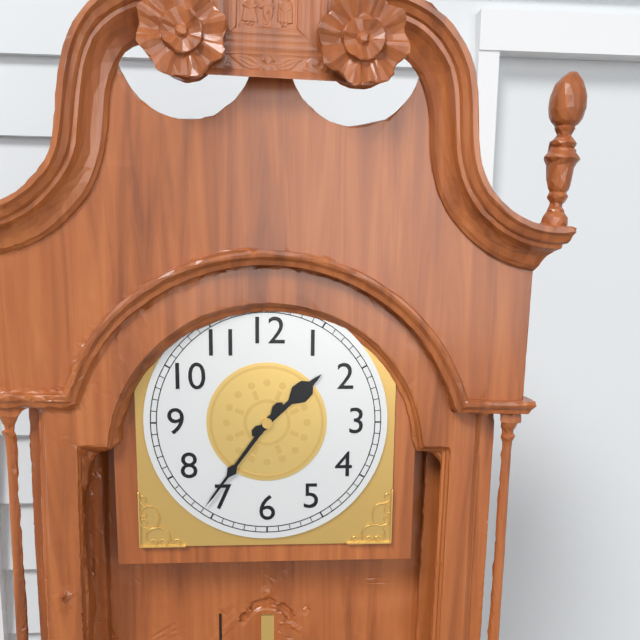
1:36
